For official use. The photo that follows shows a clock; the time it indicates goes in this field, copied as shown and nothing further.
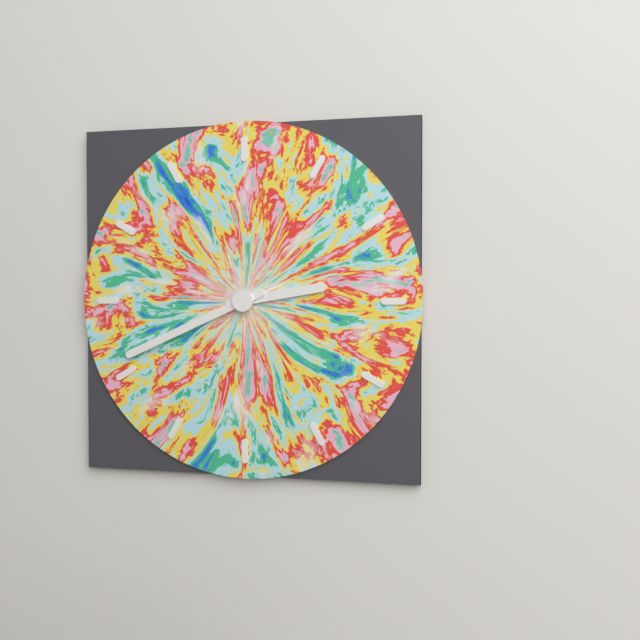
2:41
